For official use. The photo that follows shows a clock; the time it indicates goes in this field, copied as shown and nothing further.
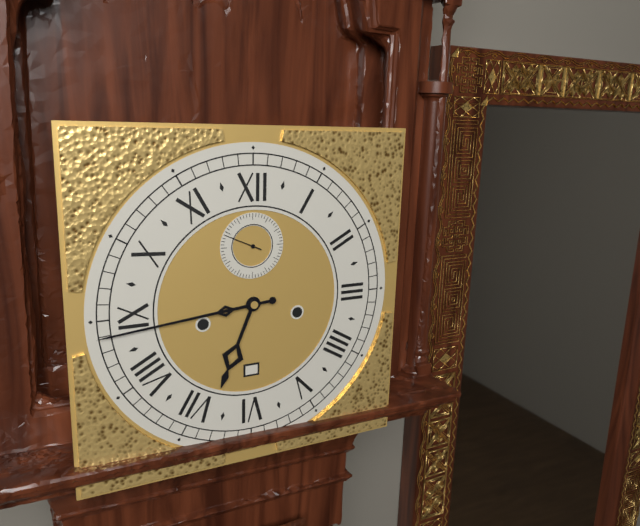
6:44
